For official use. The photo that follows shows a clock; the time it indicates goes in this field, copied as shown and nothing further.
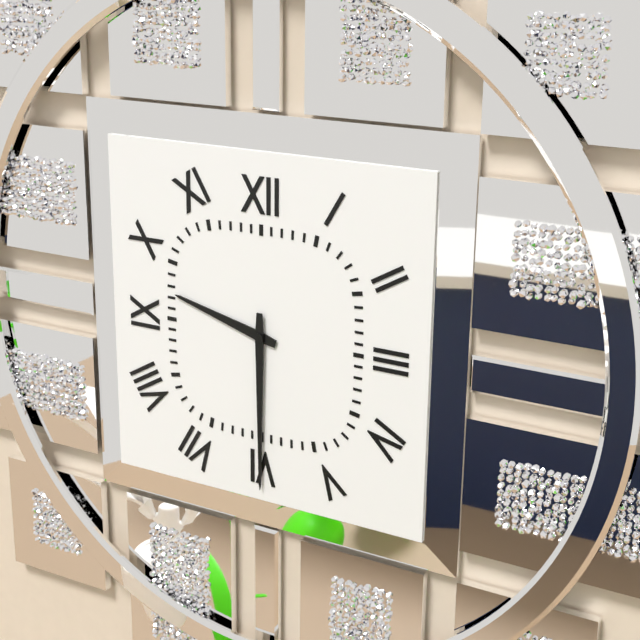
9:30
